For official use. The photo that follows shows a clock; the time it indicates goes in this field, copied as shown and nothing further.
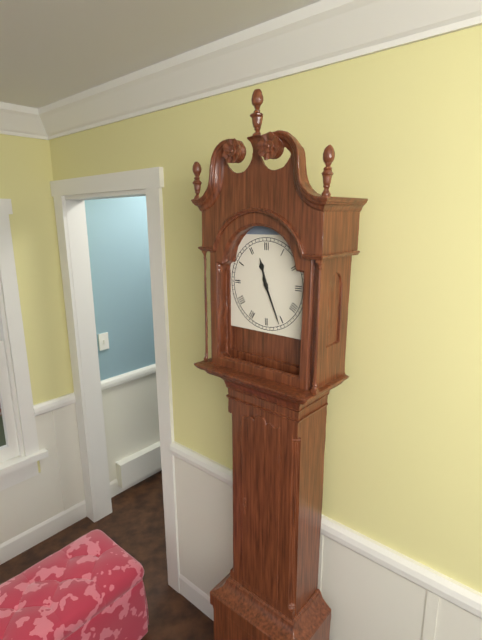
11:26
